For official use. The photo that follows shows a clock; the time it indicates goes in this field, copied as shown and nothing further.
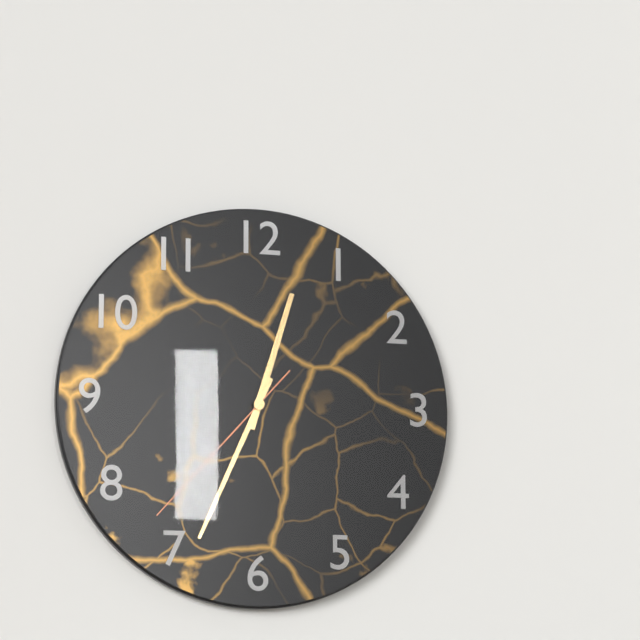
12:34:37
